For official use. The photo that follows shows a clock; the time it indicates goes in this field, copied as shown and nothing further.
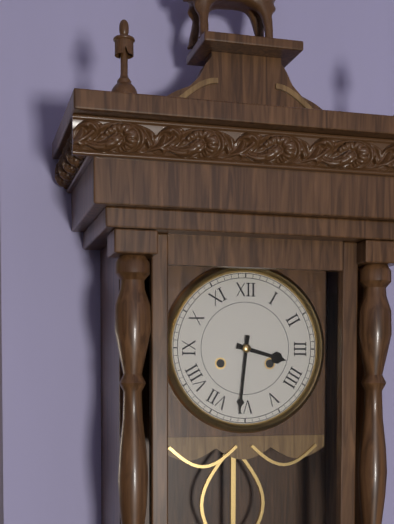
3:31
